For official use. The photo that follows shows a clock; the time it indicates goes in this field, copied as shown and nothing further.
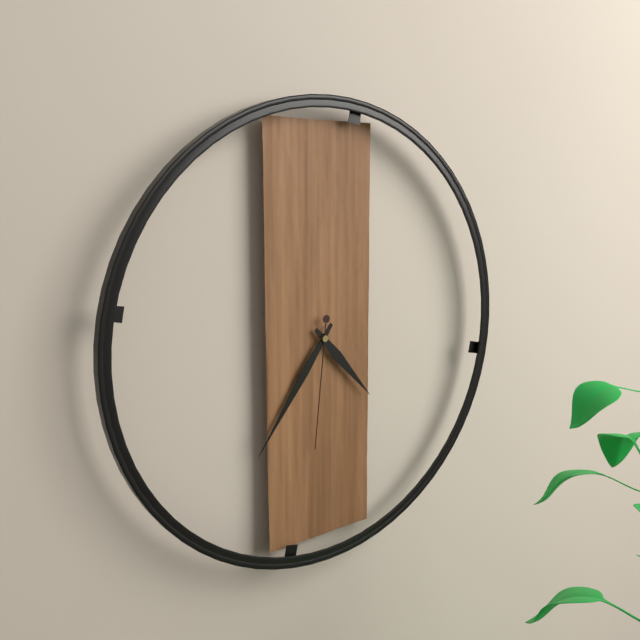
4:36:31
